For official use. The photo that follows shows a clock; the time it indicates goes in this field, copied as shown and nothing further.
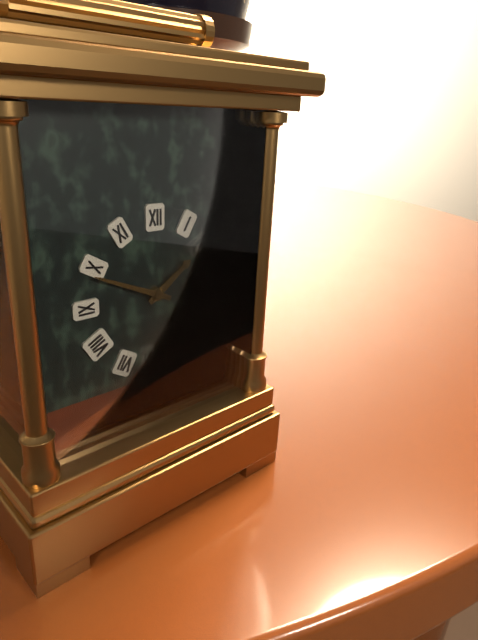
1:49
